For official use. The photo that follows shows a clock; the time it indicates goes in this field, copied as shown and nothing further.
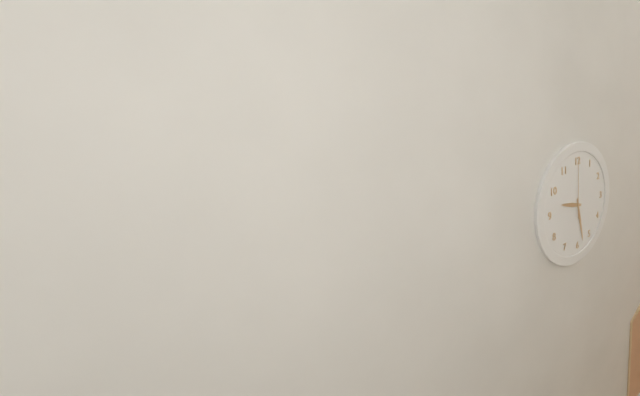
9:28:00
